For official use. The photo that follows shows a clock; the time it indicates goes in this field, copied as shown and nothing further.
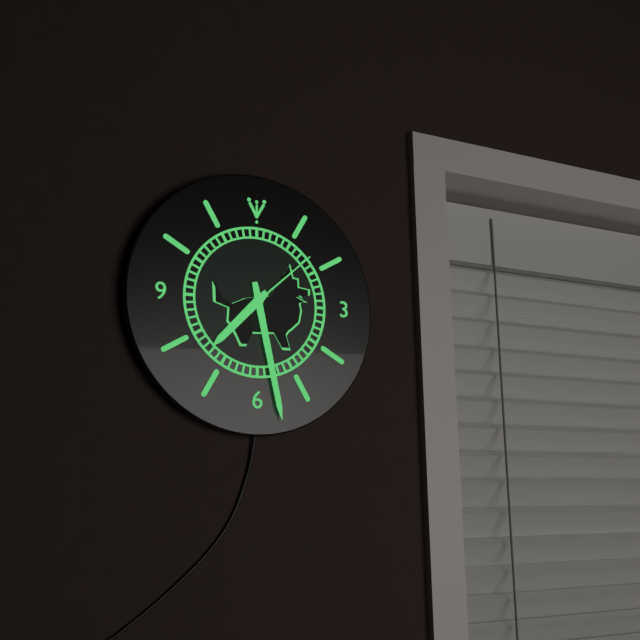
7:28:08
